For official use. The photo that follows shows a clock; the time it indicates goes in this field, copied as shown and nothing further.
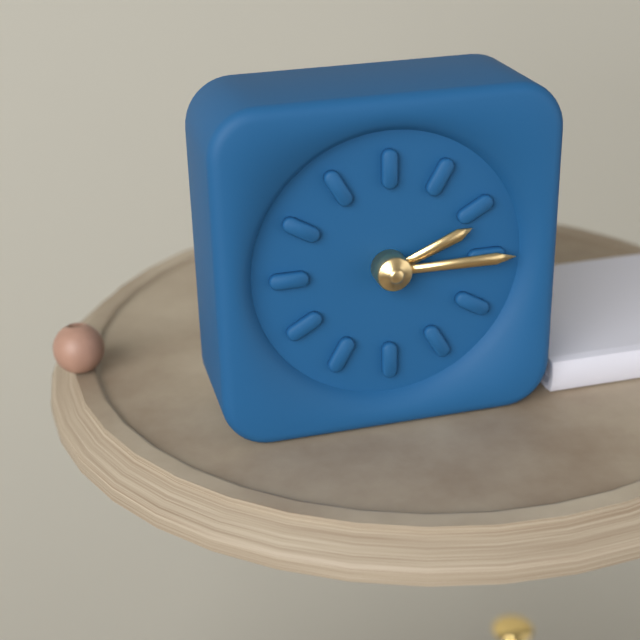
2:15
